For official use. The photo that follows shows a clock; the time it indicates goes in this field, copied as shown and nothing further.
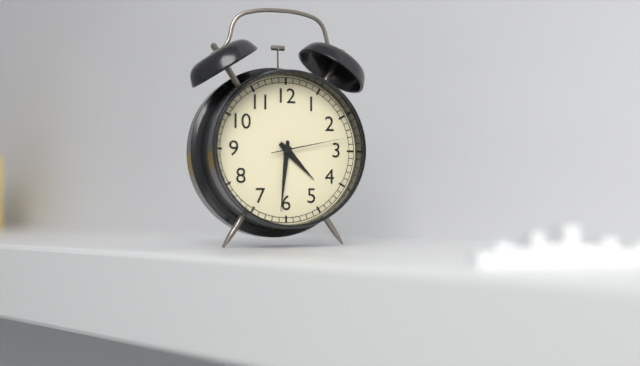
4:31:13
